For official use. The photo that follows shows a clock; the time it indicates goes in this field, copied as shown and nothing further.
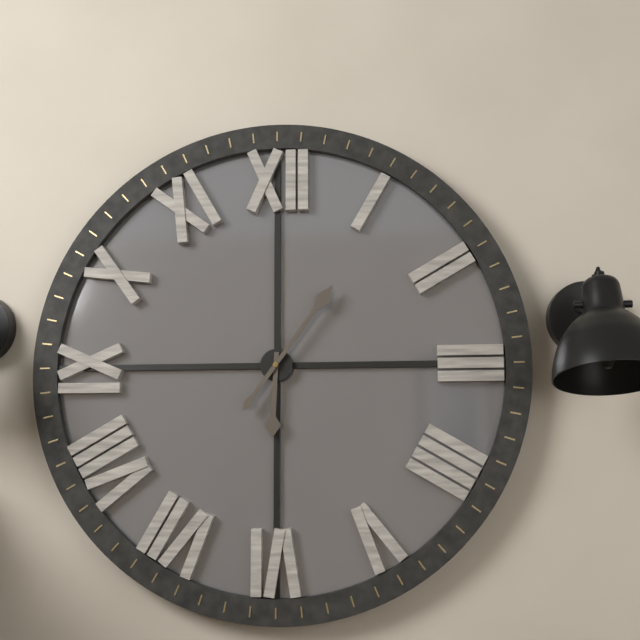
6:06
